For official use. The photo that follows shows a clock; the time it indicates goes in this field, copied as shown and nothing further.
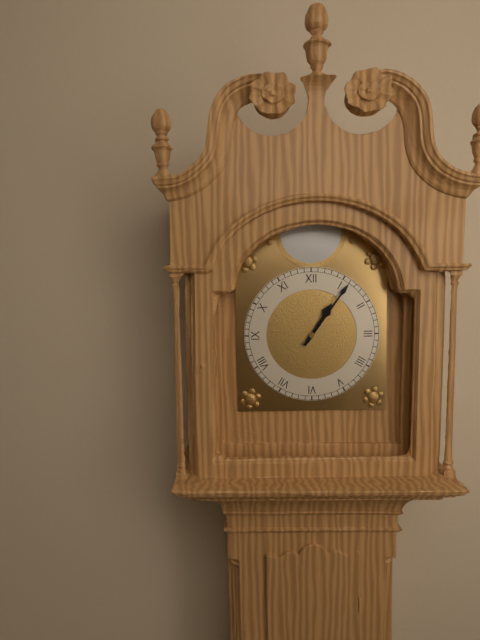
1:06
